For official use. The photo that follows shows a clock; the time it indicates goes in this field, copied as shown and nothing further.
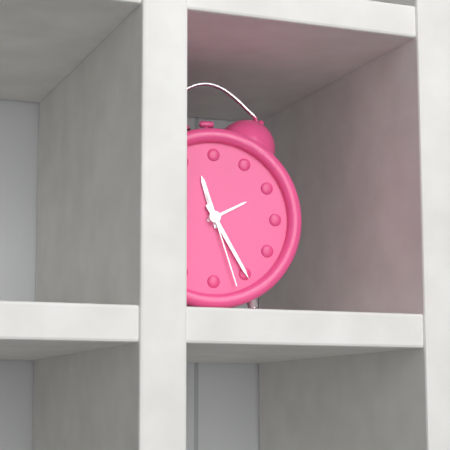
11:25:27
